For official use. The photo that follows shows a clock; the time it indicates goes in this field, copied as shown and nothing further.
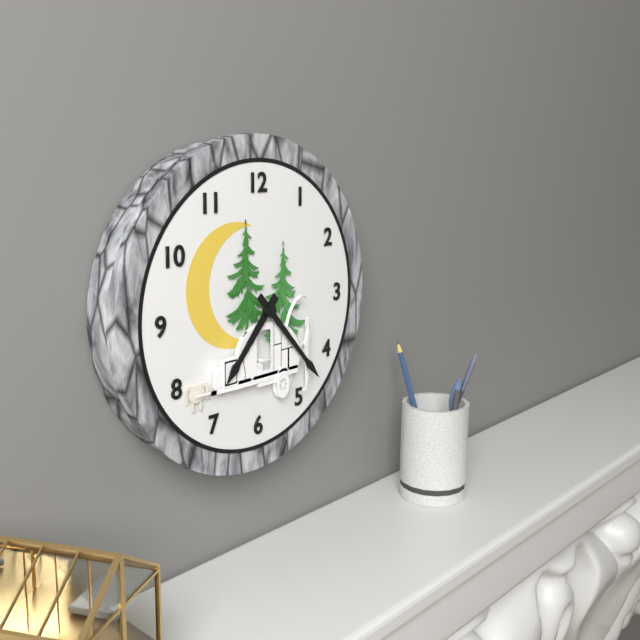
7:23
